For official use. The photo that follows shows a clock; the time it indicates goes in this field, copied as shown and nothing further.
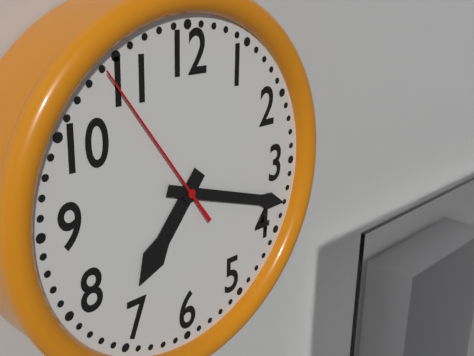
7:18:54
